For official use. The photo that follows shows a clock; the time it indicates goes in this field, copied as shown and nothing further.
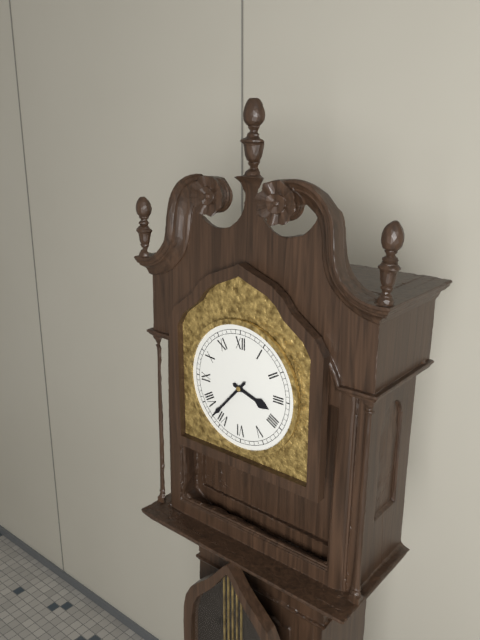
3:37
